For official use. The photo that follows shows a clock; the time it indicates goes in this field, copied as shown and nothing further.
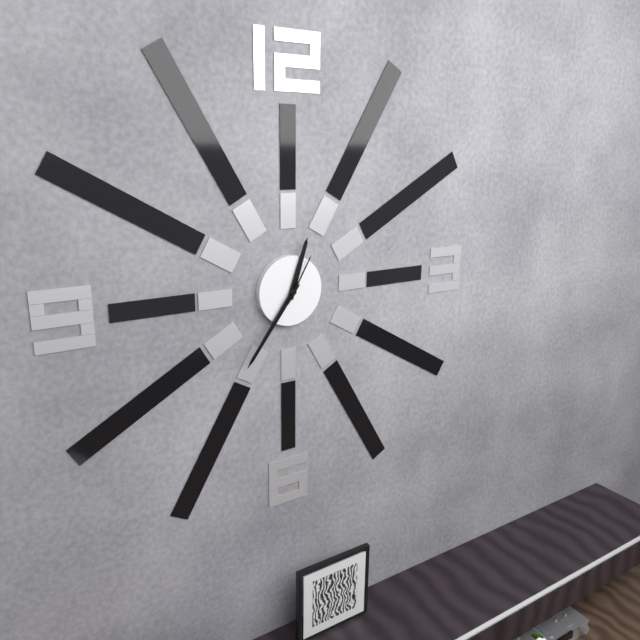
12:36:05
